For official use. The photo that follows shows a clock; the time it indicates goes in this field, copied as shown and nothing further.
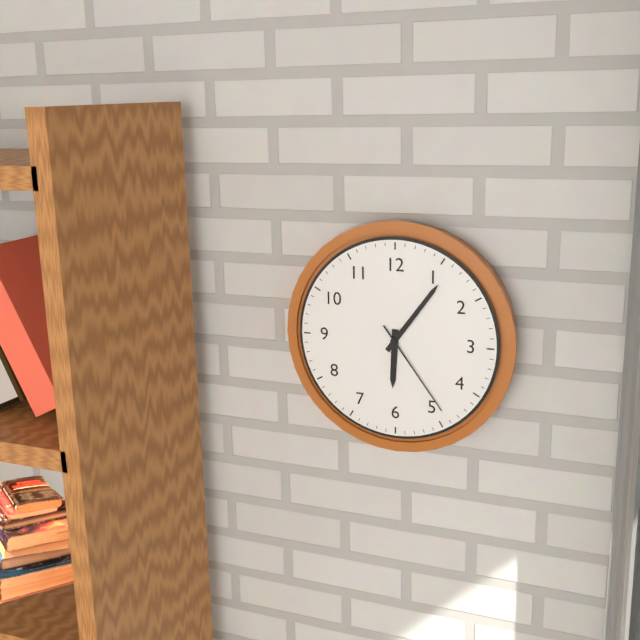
6:06:24
